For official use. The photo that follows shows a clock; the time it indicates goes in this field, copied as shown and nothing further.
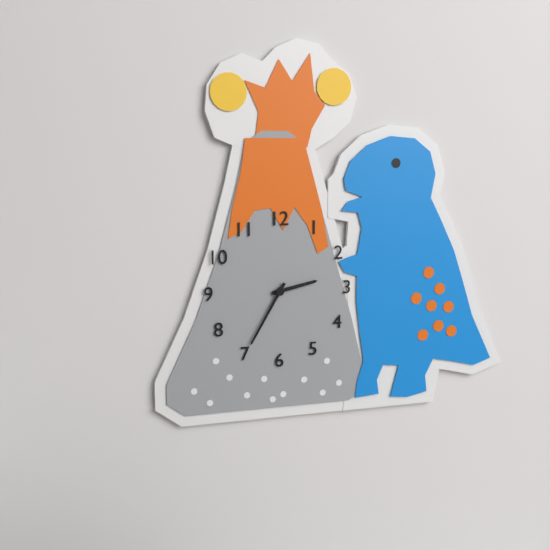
2:35
